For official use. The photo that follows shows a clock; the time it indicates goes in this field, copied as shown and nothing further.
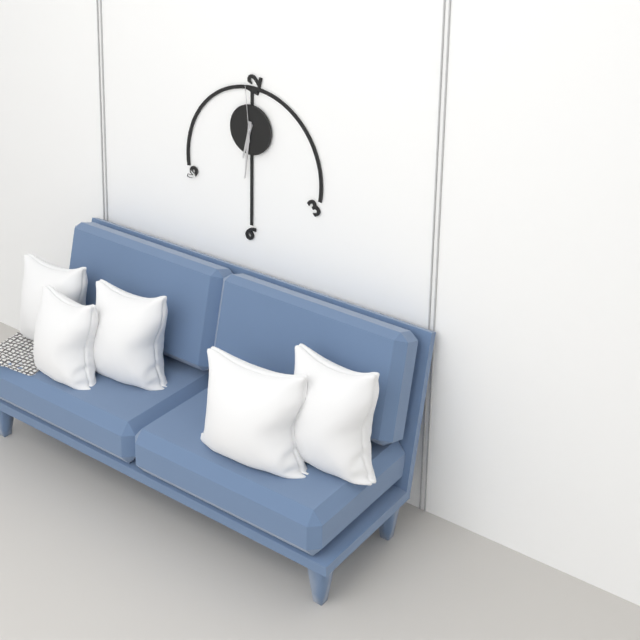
6:31:59
